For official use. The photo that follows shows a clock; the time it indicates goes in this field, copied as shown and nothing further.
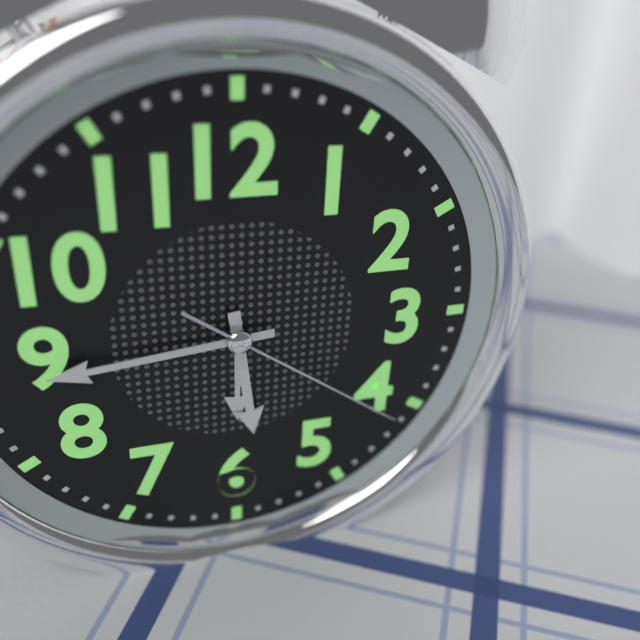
5:44:21
